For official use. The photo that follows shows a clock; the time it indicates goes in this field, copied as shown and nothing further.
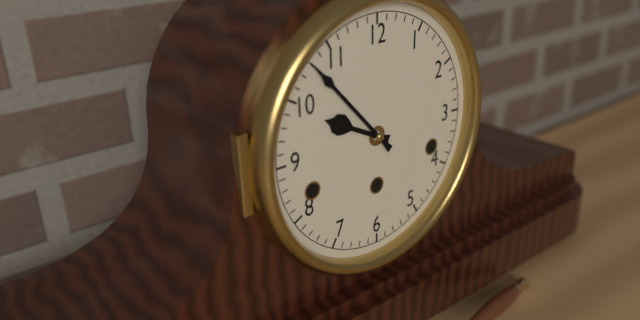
9:53
